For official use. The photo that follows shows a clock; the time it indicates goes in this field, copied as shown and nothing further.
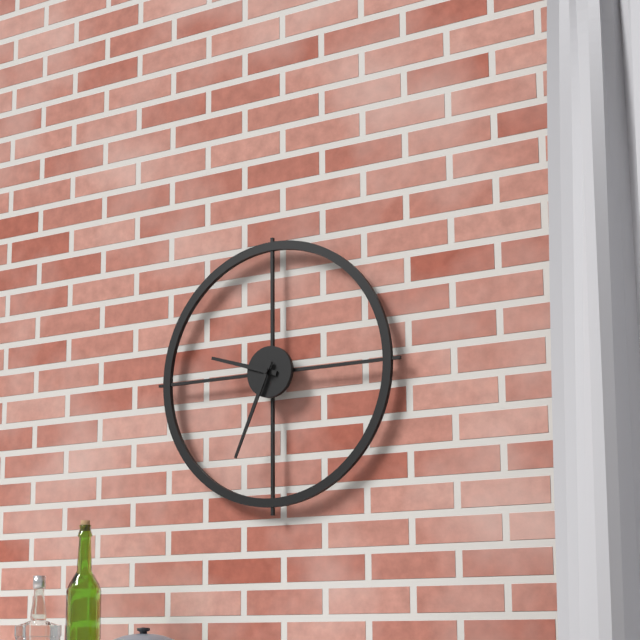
9:34
